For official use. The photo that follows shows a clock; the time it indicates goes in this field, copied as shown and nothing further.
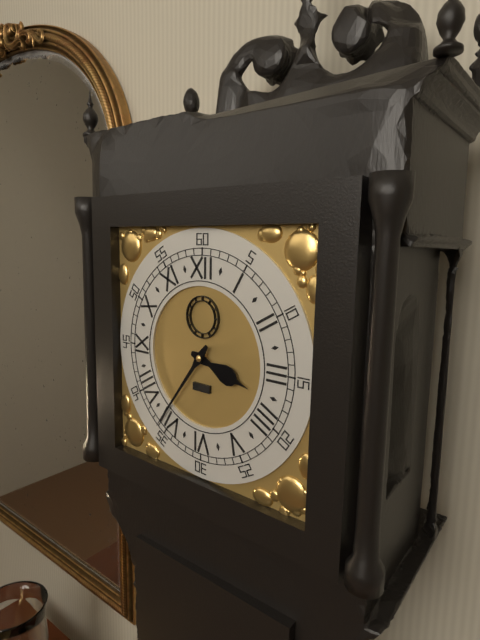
3:36
